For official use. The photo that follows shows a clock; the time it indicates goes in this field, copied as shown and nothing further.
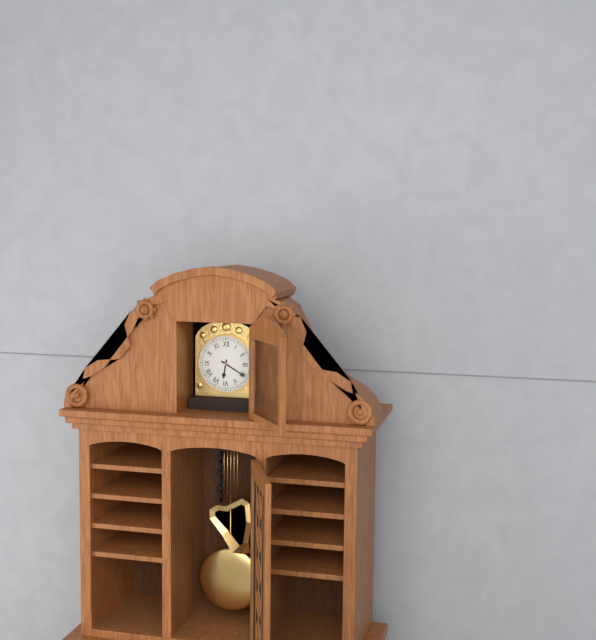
6:20
